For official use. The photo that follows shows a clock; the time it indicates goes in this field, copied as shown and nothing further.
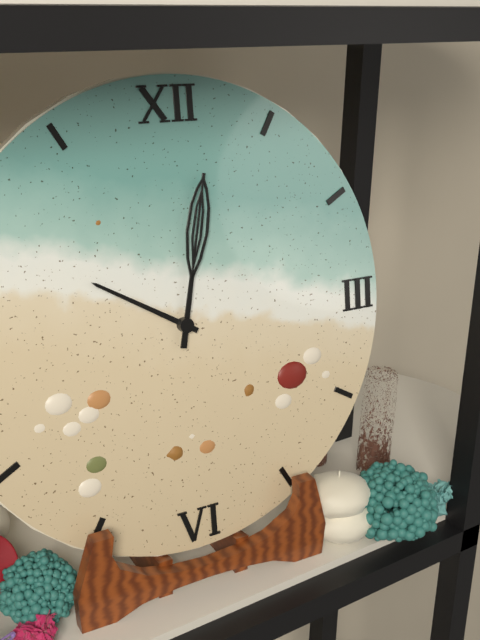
10:02
